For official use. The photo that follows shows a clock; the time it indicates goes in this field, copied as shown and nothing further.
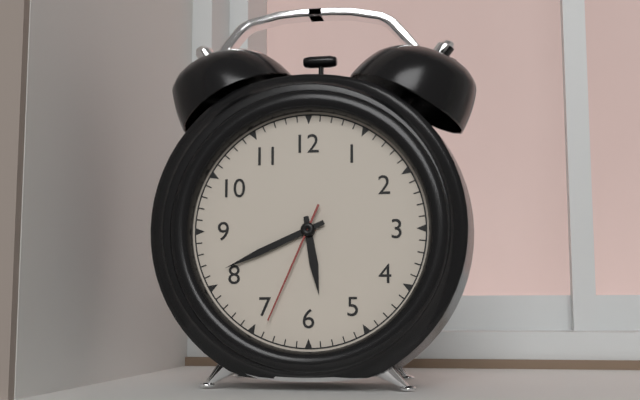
5:41:34
